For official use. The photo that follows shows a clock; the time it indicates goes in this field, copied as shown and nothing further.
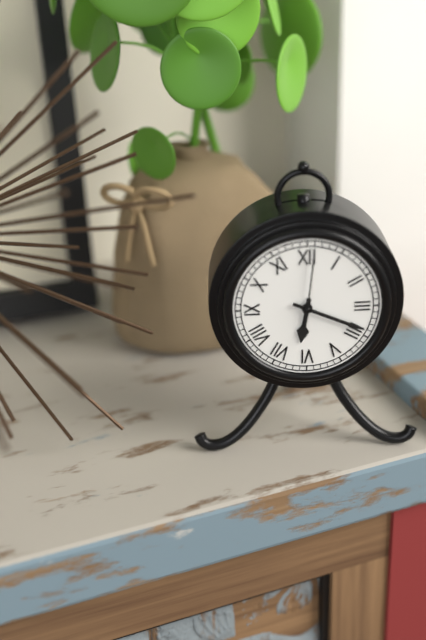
6:19:01
